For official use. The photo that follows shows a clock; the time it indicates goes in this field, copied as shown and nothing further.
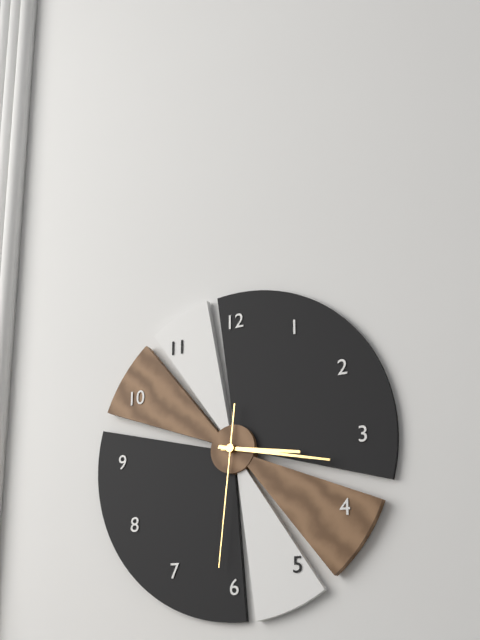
3:17:31
